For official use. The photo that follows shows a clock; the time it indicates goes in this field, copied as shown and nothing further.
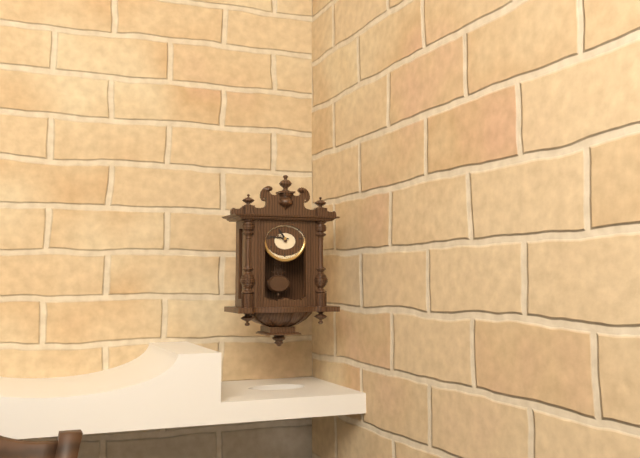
10:46
